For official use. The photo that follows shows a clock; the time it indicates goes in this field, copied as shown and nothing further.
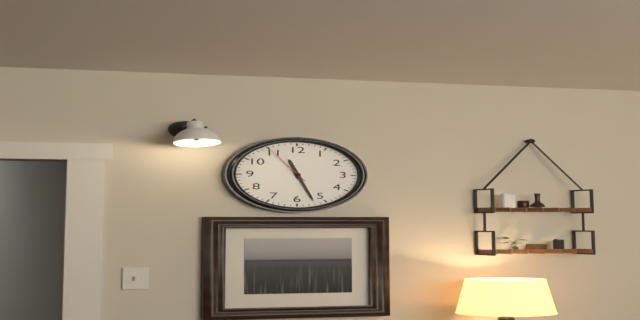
11:27
